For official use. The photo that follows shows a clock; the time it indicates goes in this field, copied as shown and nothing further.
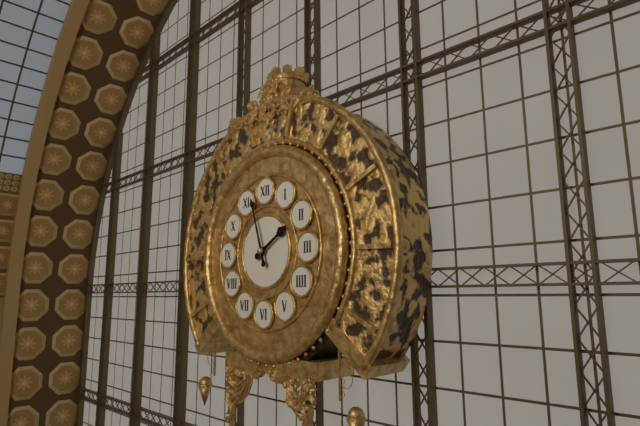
1:57
